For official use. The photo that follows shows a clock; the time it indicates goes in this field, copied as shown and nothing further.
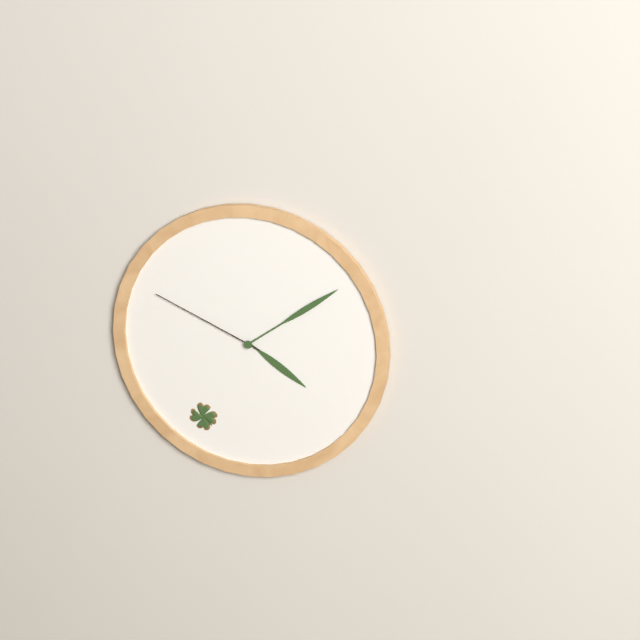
4:09:49
